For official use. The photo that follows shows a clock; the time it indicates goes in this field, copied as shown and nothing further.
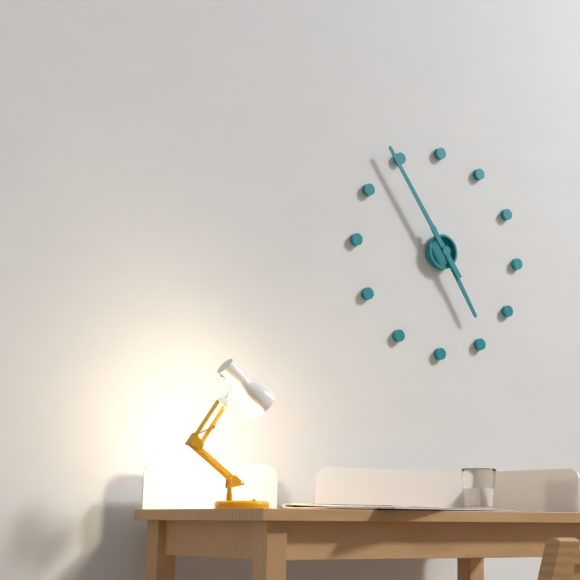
4:54
